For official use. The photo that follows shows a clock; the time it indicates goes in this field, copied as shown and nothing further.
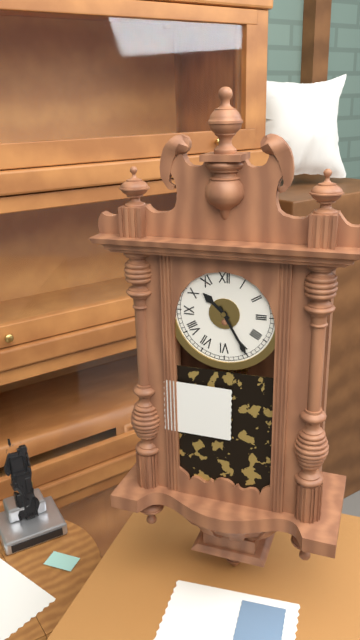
10:25
